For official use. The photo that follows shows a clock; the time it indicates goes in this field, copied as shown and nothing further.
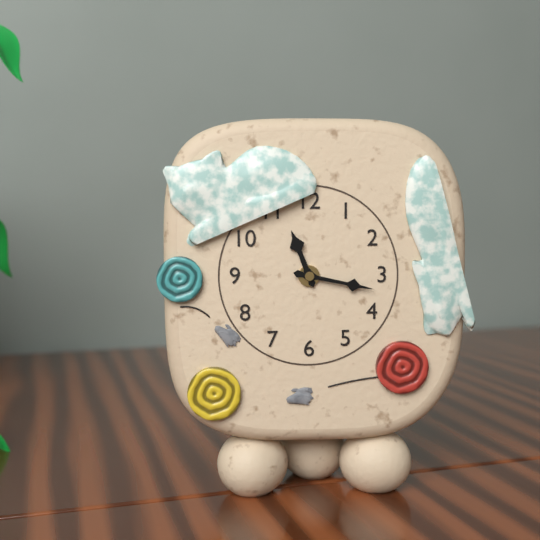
11:17
